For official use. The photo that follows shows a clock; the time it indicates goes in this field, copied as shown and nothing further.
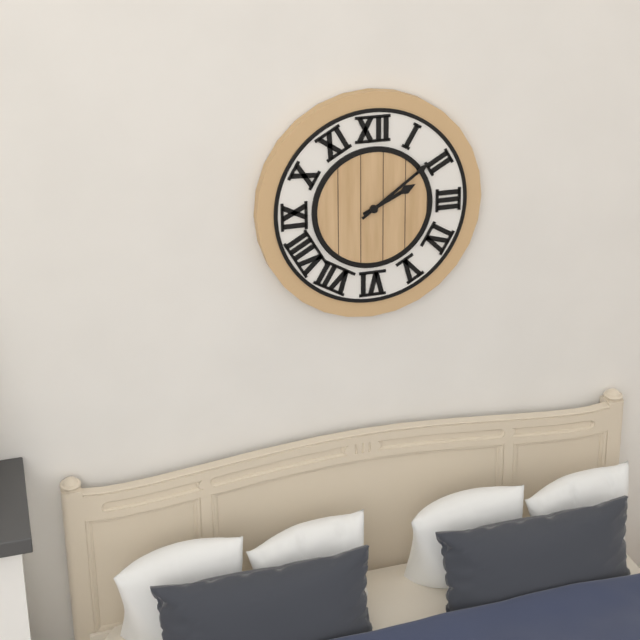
2:09
